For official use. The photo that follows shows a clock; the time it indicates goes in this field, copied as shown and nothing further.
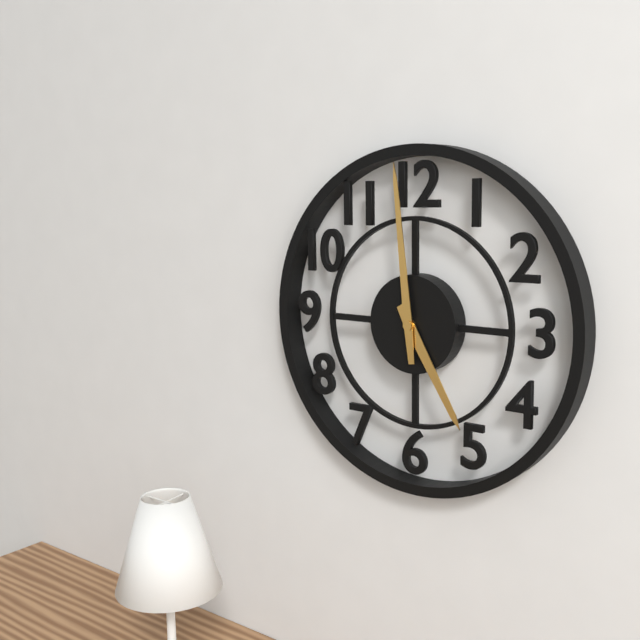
4:59
